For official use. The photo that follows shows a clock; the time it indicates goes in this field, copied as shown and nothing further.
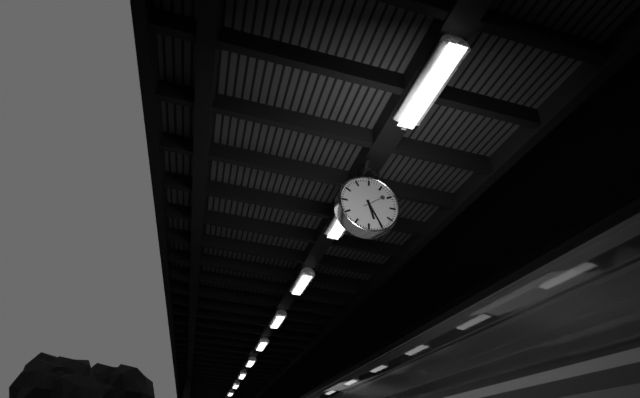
5:25
